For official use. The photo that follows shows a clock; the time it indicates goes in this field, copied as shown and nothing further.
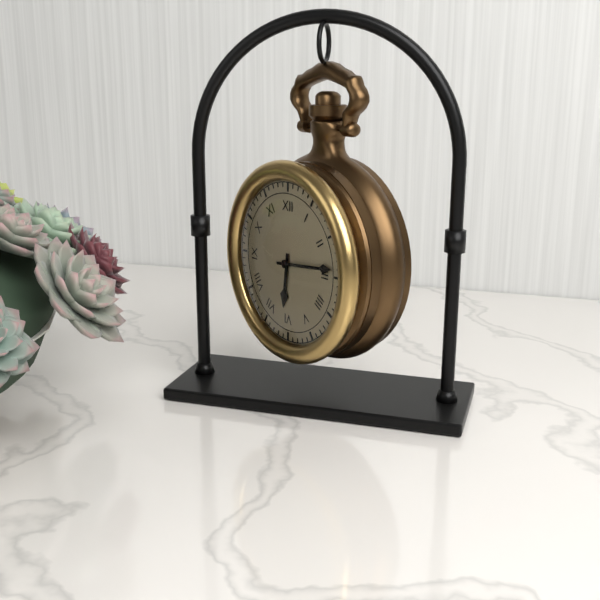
6:14
